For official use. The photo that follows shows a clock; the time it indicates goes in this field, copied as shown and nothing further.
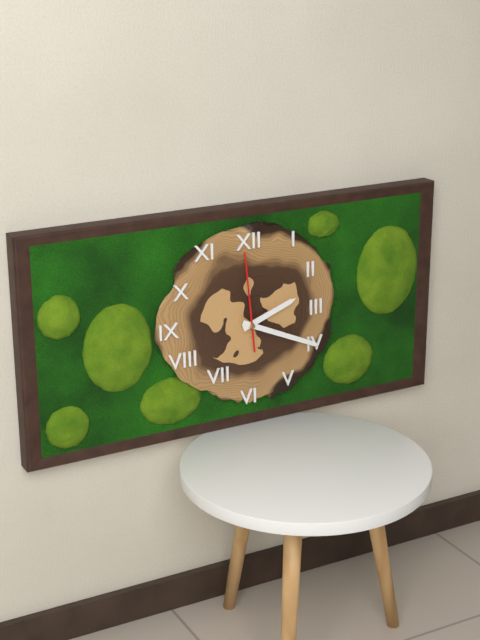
2:19:59
